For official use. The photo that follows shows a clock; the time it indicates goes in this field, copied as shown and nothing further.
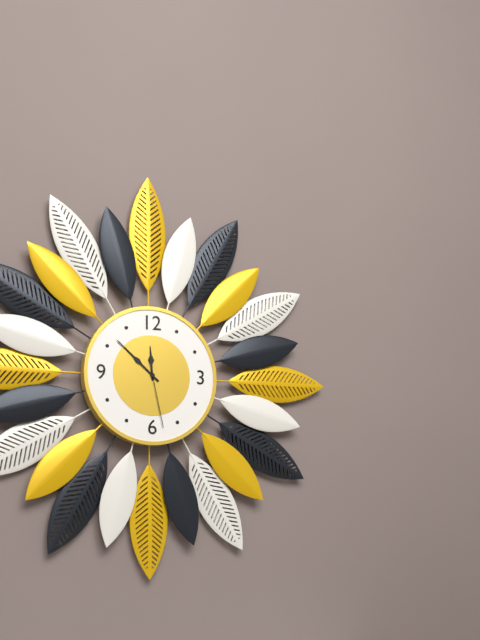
11:52:28
